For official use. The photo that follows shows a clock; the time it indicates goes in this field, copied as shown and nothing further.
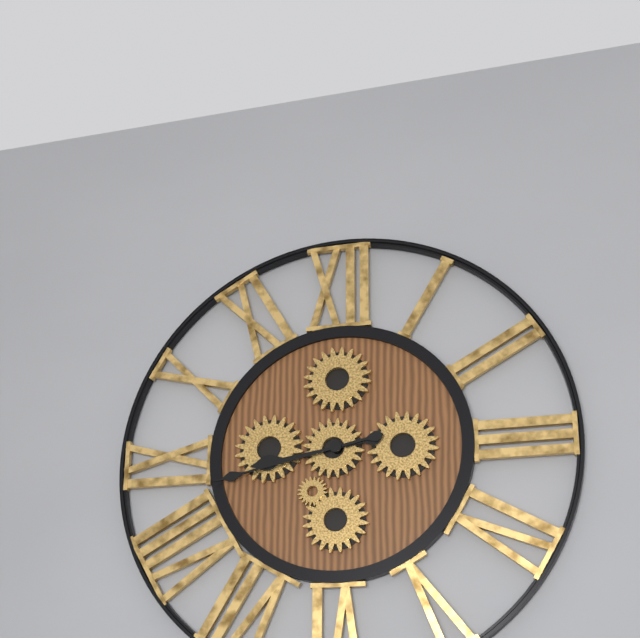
8:43
